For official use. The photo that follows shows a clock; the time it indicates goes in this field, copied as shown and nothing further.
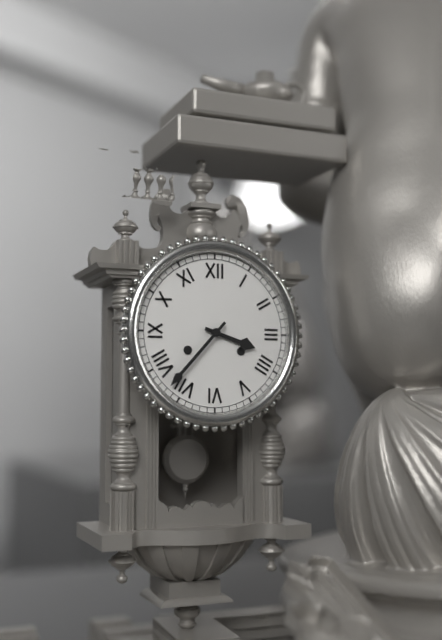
3:37
